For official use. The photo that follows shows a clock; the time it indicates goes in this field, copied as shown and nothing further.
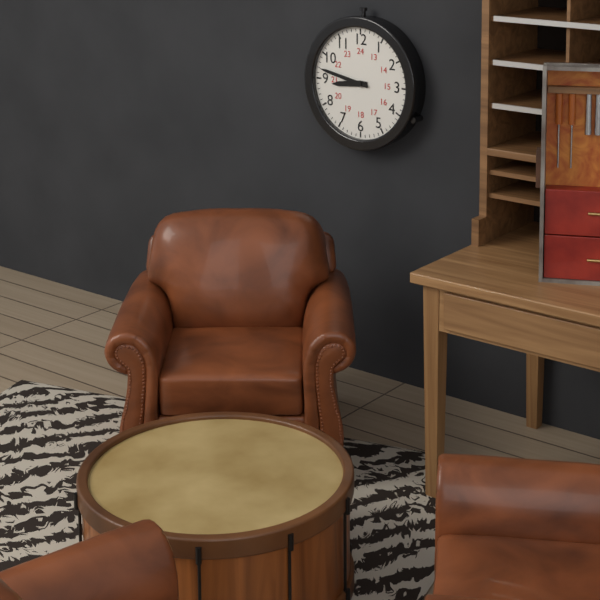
8:47
